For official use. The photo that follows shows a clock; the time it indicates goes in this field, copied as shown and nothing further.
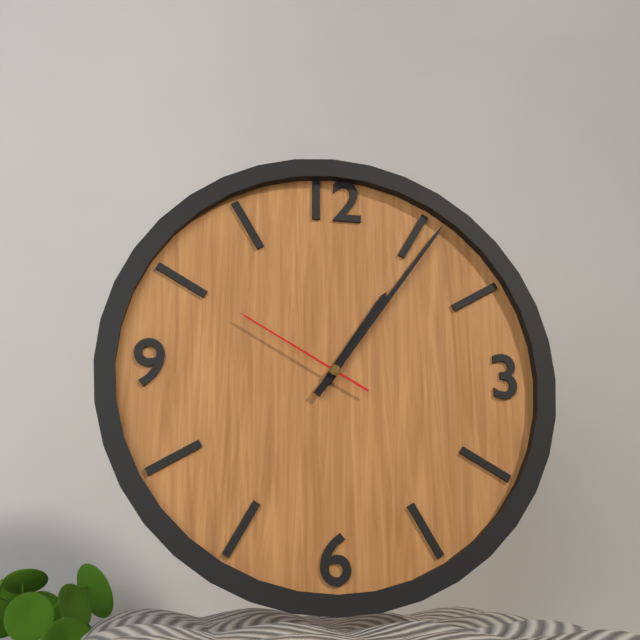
1:06:50
